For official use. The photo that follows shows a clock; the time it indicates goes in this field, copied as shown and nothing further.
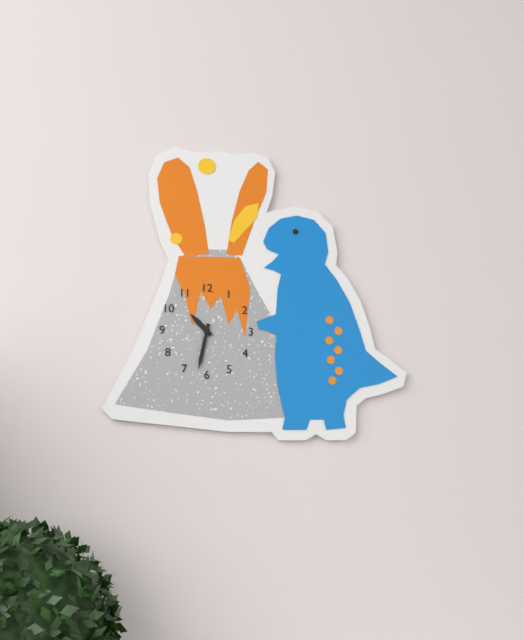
10:32
